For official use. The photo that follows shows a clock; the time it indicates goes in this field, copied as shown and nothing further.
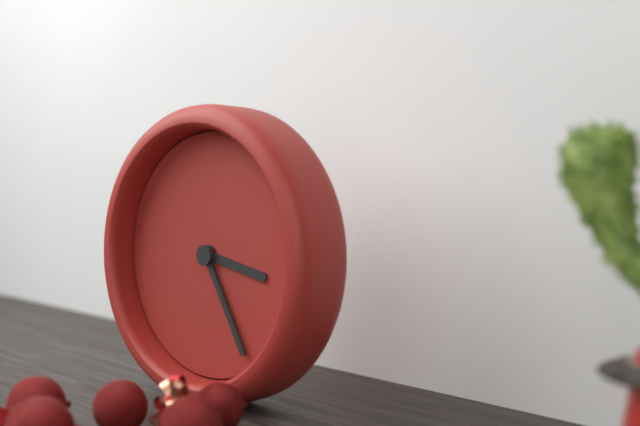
3:25
